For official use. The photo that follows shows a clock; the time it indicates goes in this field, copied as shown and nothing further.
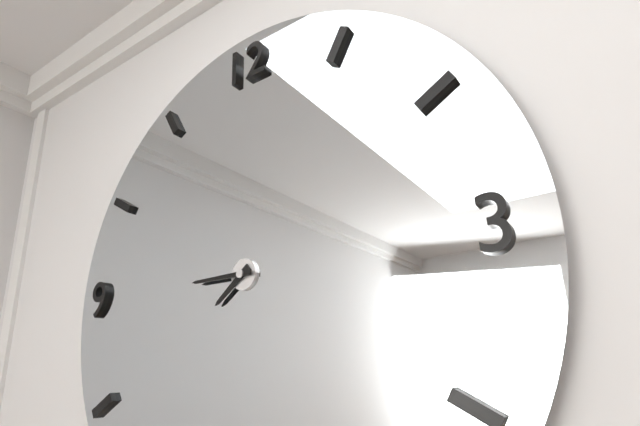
7:45
